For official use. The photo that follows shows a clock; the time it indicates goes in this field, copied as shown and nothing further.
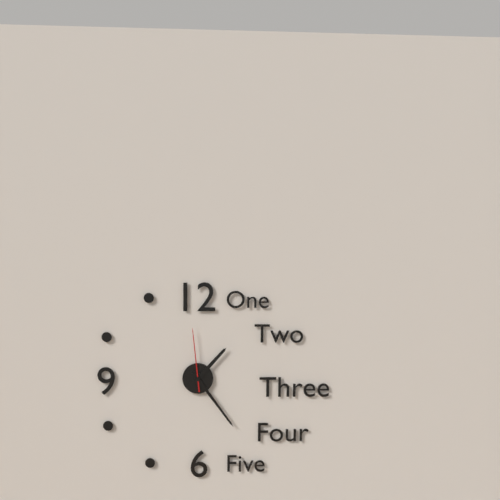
1:24:59
